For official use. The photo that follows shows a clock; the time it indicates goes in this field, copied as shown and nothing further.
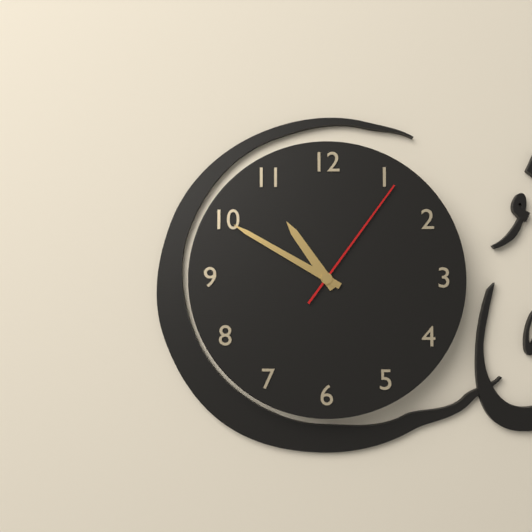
10:50:06
